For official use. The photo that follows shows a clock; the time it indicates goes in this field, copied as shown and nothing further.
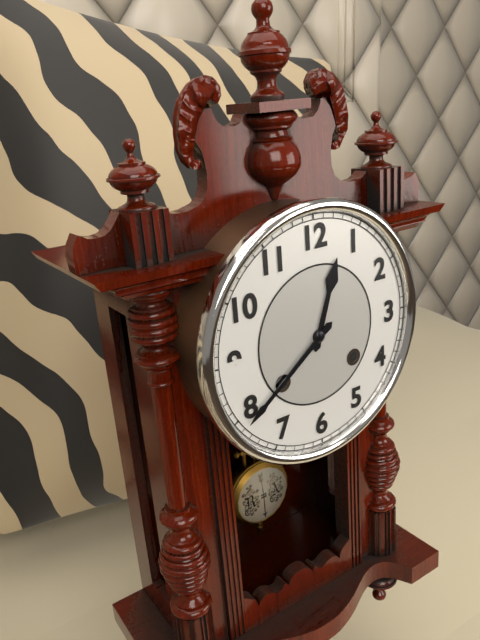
12:39
